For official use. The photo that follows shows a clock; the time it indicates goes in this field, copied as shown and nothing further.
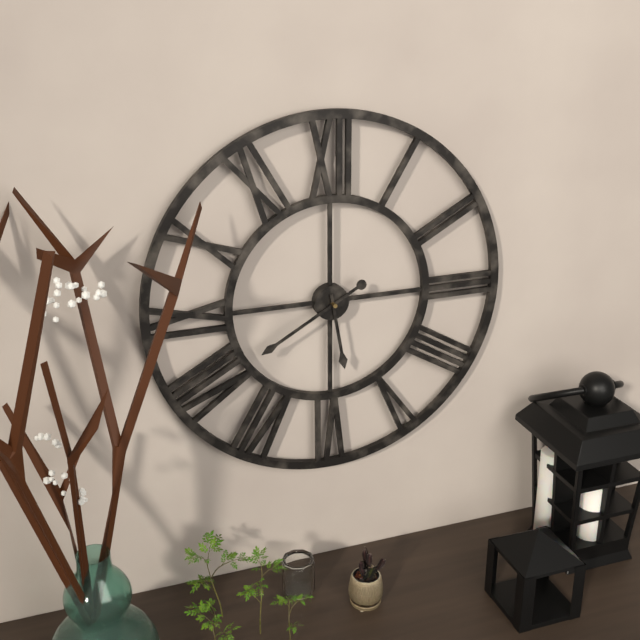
5:40
